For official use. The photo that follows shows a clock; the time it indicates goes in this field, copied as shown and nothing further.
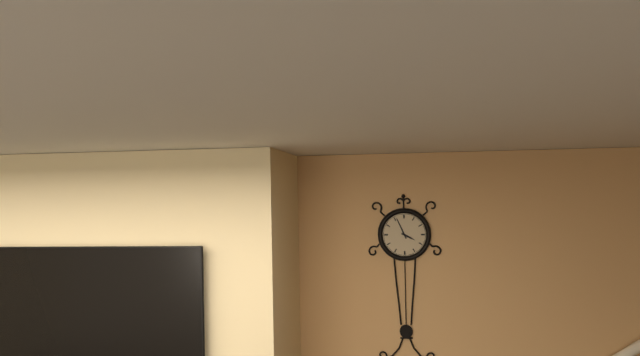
3:56
